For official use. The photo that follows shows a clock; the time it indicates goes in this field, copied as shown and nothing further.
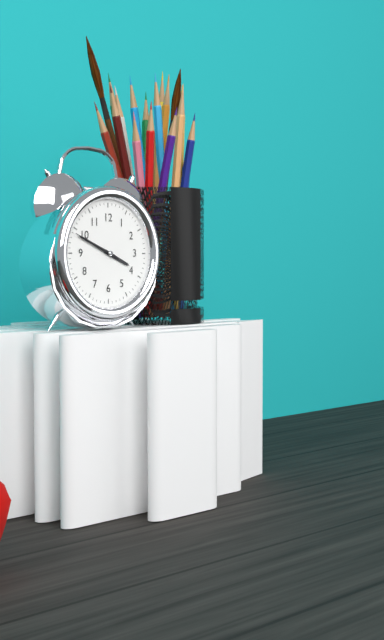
3:49
